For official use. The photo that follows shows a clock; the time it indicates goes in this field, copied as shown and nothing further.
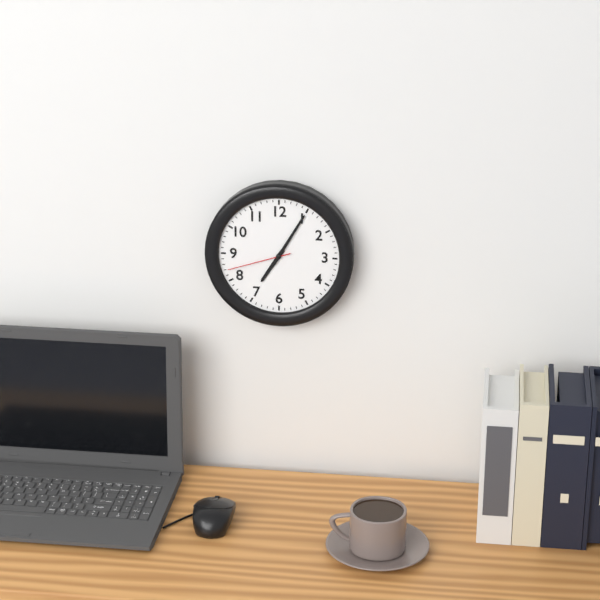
7:05:42
